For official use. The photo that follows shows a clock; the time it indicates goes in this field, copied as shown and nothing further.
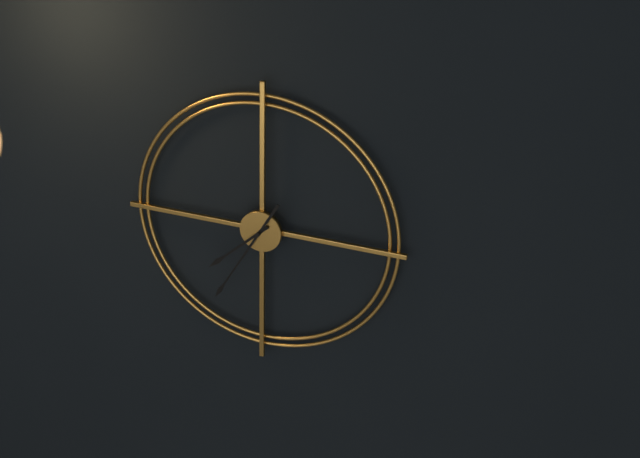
7:35
